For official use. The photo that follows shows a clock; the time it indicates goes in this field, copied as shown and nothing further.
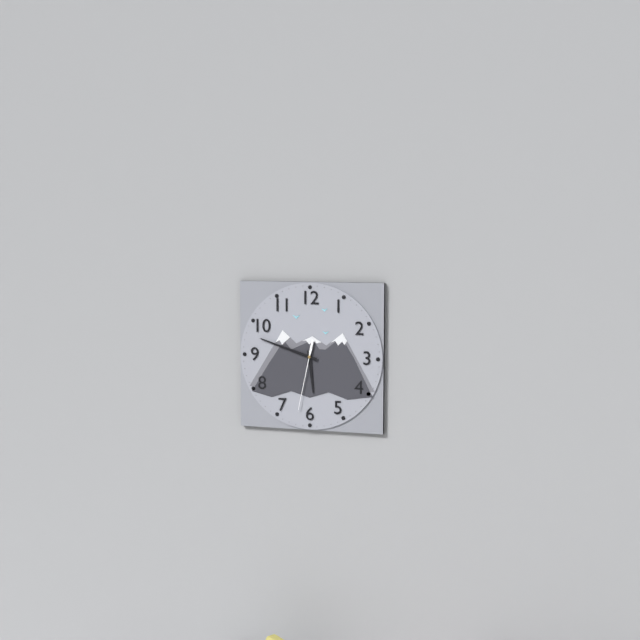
5:48:32
